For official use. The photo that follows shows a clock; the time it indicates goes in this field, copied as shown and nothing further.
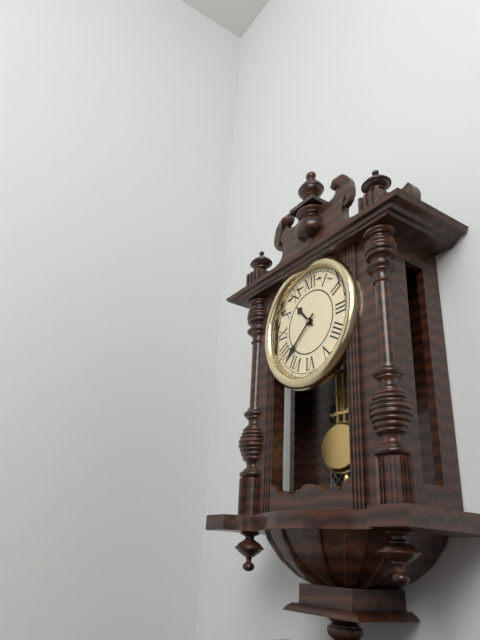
10:38
